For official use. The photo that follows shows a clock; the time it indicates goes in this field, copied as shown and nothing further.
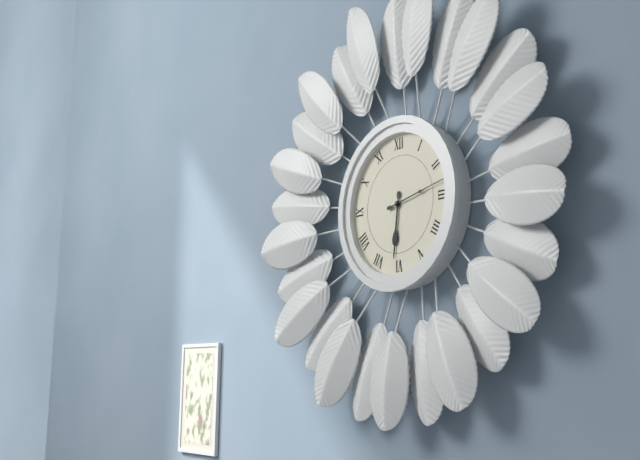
6:13
